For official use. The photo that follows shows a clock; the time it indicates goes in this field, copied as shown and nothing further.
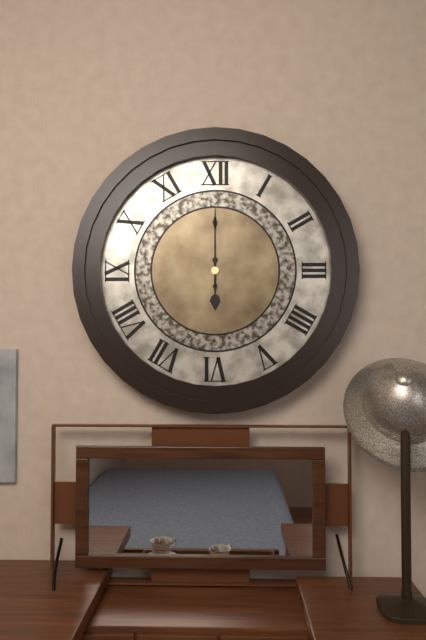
6:00
